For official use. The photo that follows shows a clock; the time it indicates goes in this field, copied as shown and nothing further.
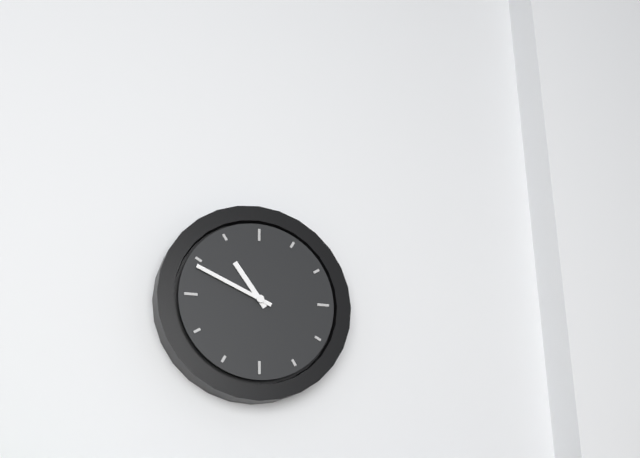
10:49
